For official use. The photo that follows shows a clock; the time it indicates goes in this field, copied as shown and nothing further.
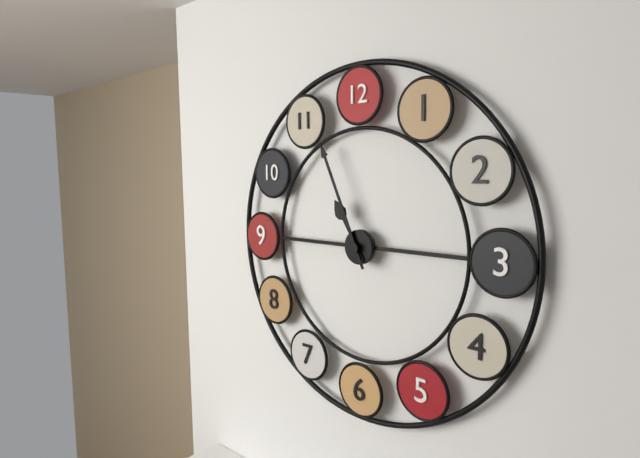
10:56
